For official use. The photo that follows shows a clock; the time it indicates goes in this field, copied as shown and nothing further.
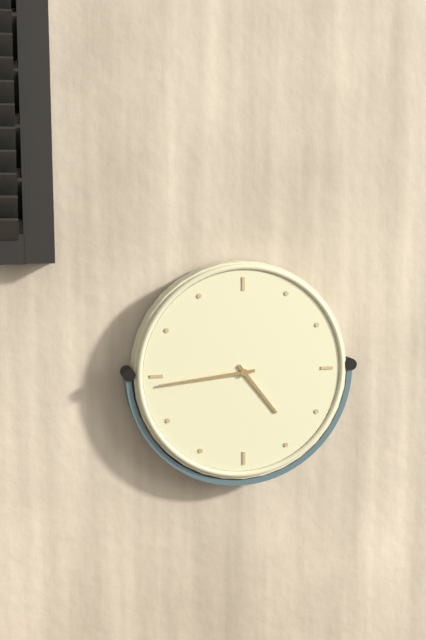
4:44
